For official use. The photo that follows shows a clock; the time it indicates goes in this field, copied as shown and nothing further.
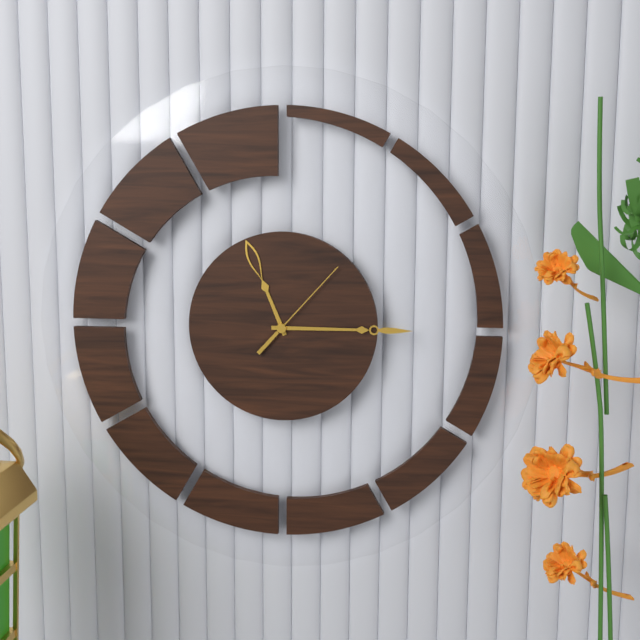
11:15:07
